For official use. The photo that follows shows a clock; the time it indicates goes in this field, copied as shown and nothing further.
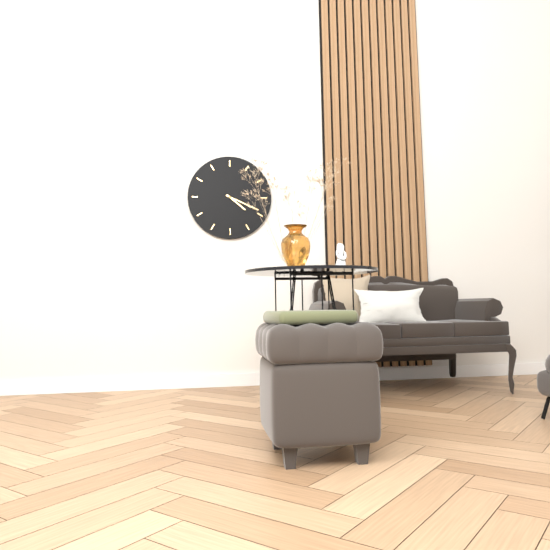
4:19
